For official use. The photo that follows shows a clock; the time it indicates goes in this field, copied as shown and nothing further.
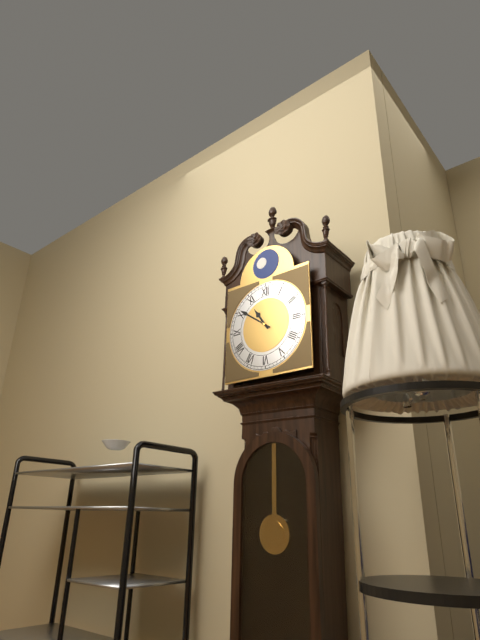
10:51
